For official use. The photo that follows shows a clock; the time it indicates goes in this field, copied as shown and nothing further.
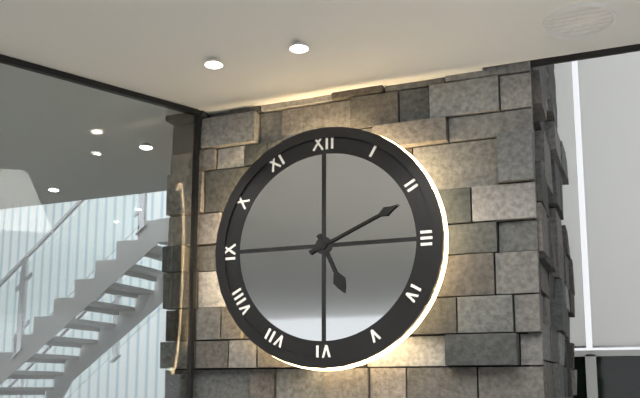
5:11
